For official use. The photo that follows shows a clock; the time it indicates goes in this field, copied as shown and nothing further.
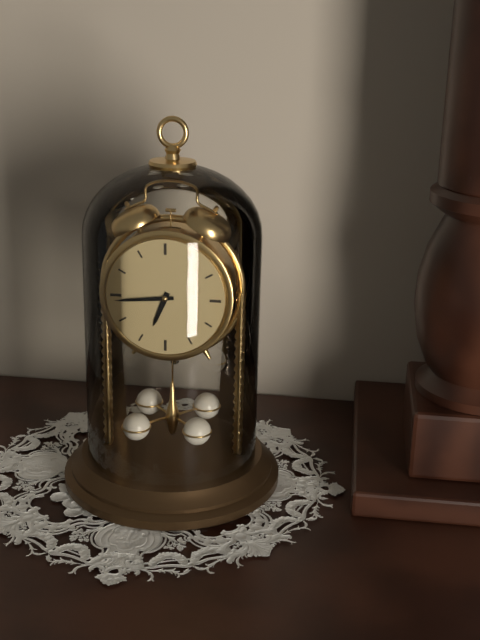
6:44
